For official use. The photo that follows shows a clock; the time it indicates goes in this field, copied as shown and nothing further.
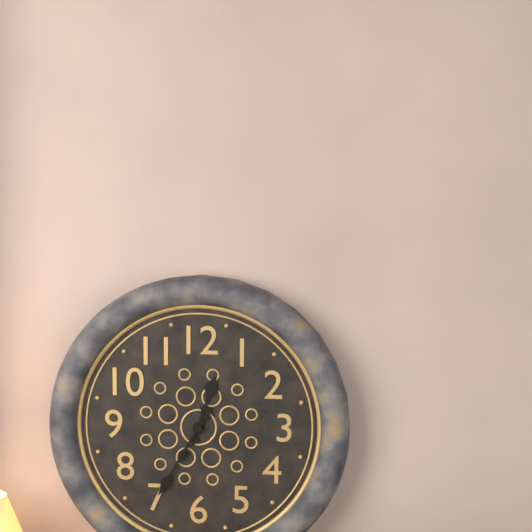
12:35
